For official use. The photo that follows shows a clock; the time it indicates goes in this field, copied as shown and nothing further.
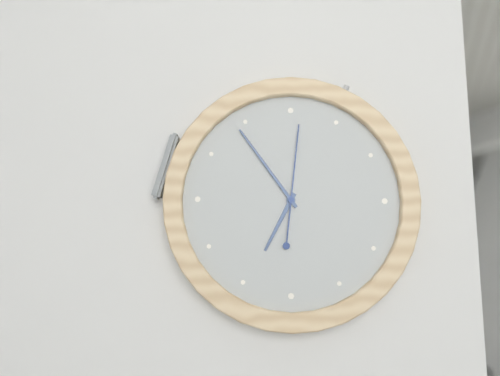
6:54:01
